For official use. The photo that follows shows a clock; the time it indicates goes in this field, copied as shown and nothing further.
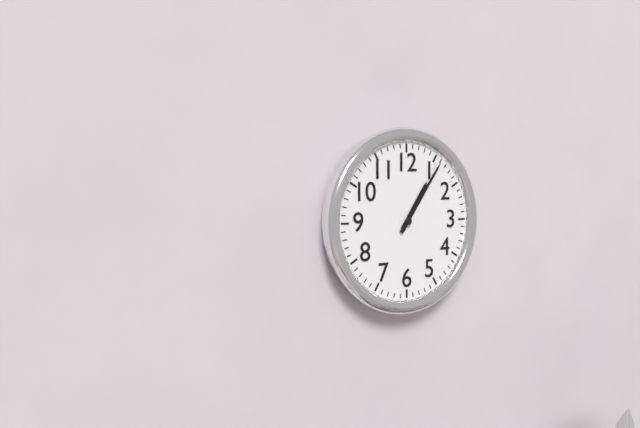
1:06
